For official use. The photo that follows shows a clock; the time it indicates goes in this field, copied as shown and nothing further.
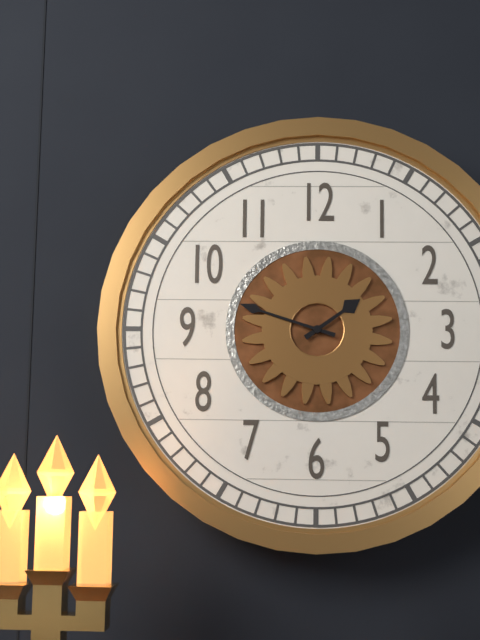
1:48
